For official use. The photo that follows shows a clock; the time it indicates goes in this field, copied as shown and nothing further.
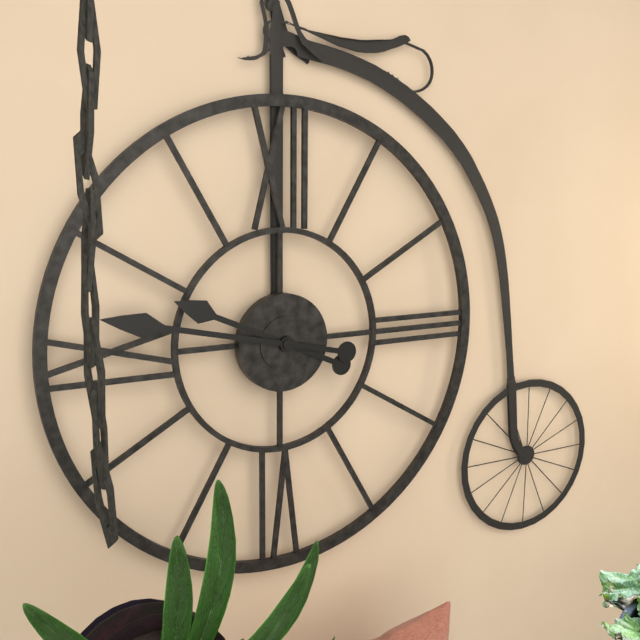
9:47
